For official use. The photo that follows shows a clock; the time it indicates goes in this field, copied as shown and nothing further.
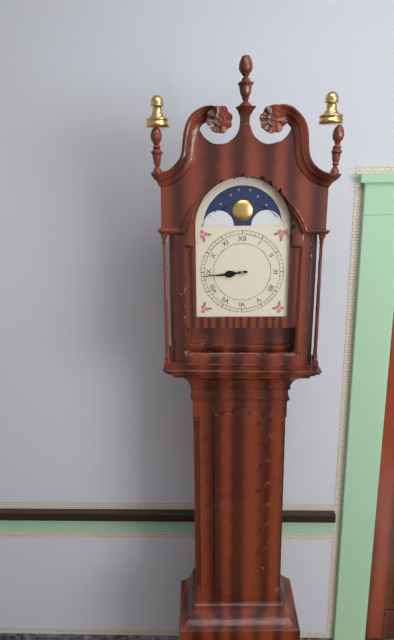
8:44
